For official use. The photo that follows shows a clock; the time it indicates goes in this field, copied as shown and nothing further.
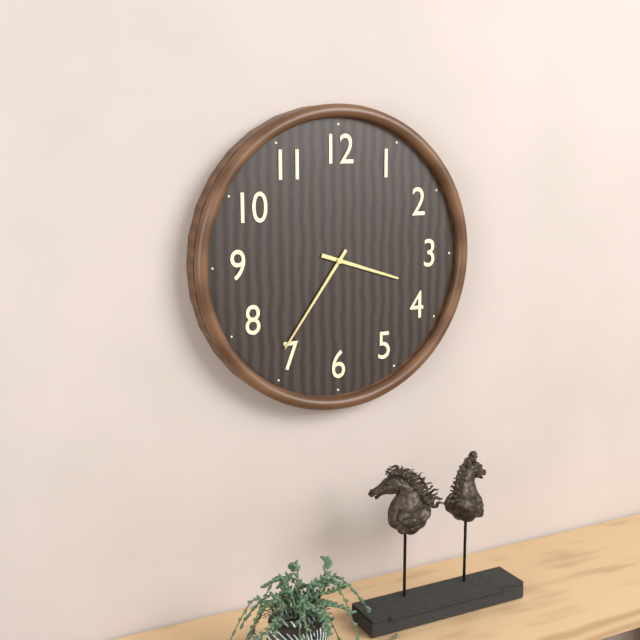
3:36
